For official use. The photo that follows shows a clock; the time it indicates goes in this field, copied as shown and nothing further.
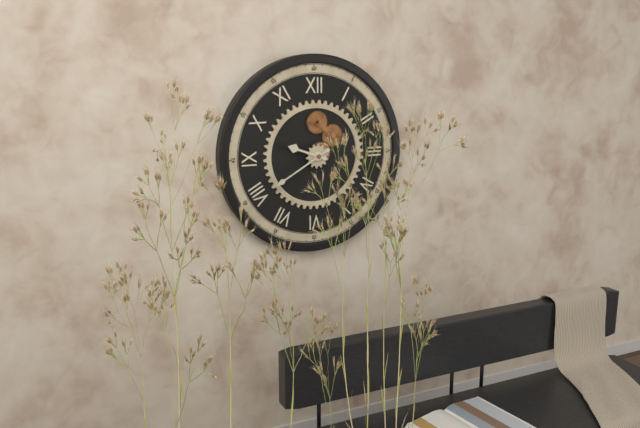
9:40
